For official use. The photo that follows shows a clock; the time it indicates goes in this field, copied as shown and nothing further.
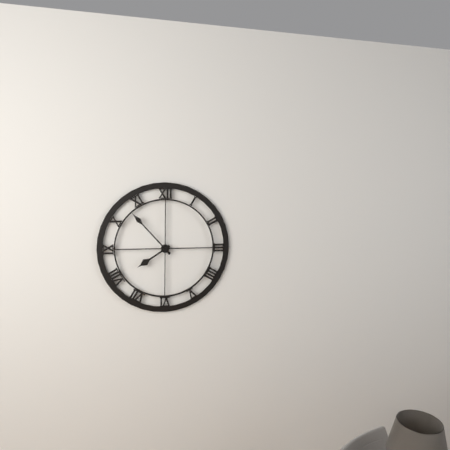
7:53
